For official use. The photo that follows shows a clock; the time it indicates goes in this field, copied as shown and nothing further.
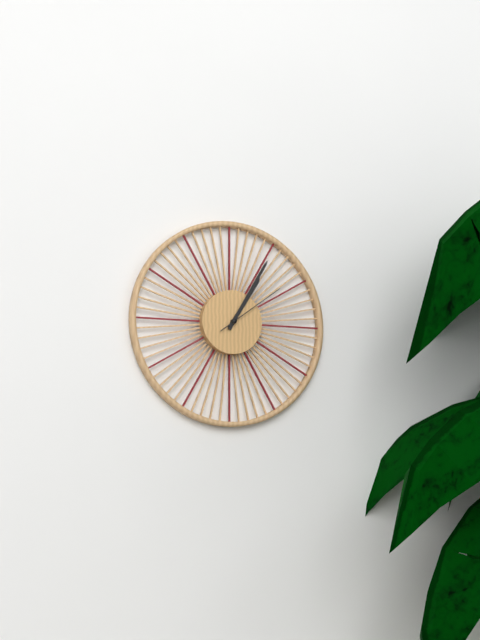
1:05:09
